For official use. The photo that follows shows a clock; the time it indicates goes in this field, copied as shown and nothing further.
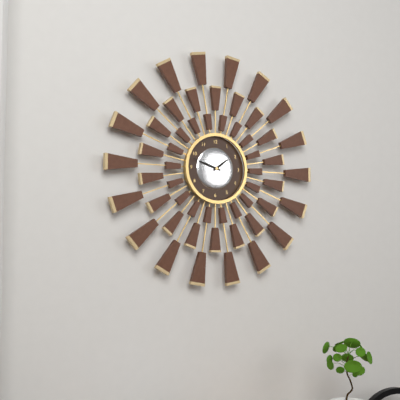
1:48
